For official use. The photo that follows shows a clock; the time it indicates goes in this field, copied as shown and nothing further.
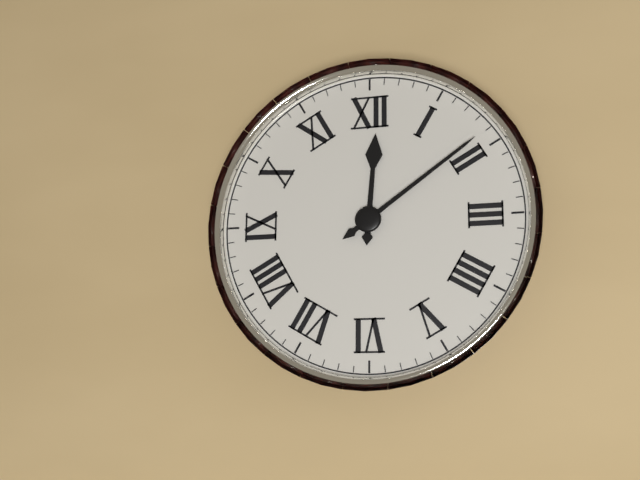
12:09
